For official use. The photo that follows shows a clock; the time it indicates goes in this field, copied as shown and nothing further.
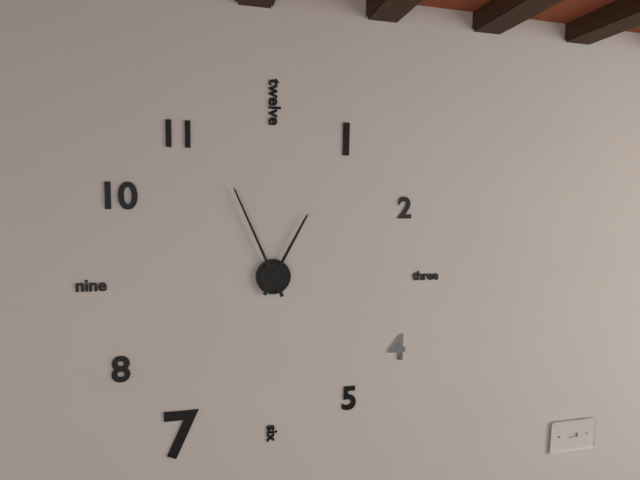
12:56
